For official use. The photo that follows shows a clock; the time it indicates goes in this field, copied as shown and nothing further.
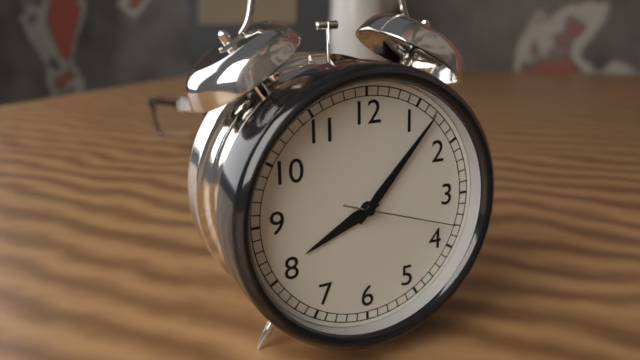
8:07:18
